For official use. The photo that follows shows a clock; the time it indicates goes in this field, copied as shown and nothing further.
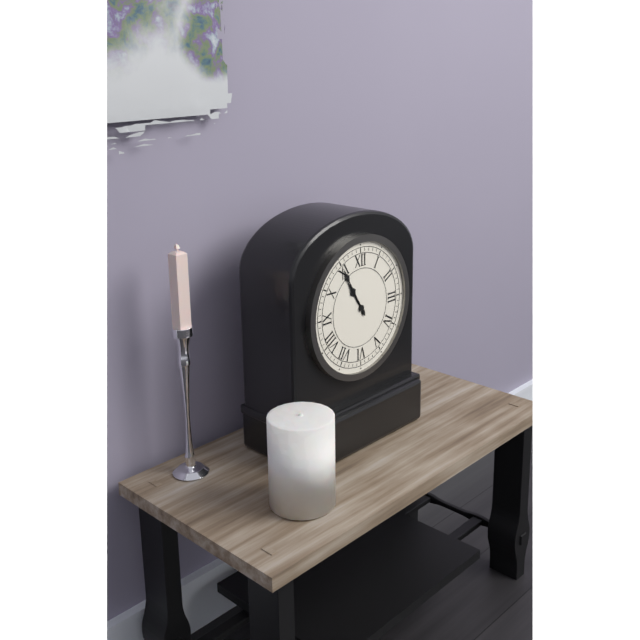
10:55
